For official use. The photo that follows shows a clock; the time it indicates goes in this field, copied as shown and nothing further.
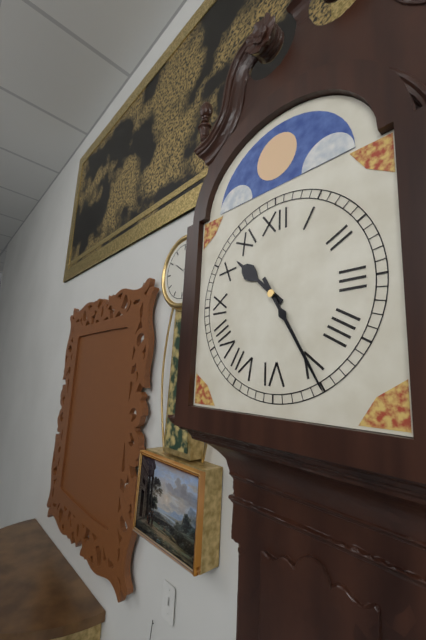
10:25
